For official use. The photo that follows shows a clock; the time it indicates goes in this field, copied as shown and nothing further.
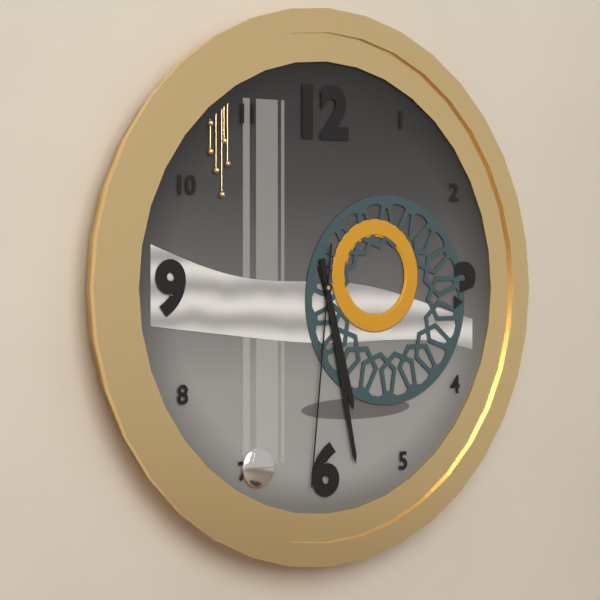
5:28:31
